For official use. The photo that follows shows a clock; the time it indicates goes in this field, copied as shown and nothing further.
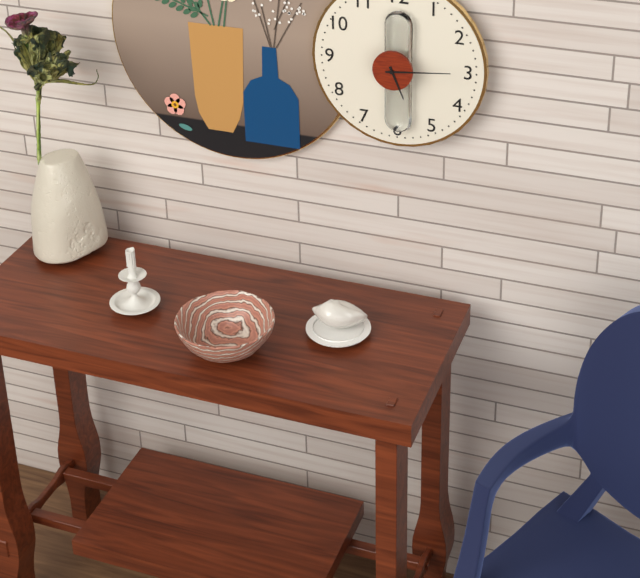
5:14
